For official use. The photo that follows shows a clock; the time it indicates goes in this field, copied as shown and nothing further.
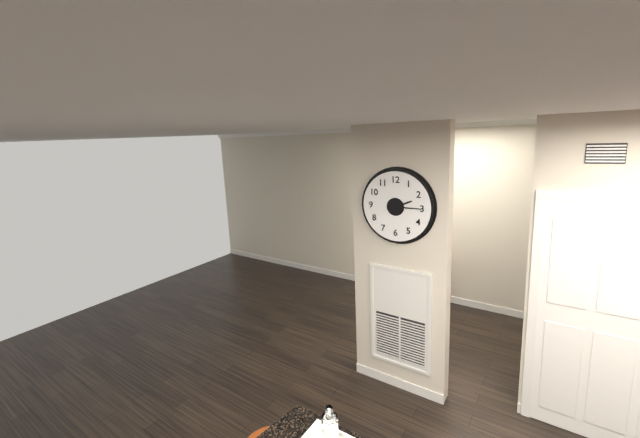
2:15
